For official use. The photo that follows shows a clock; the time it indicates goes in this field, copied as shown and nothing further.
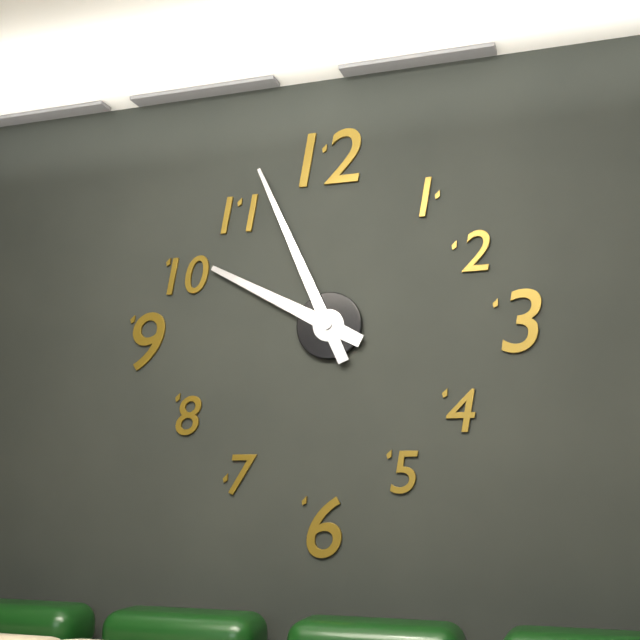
9:56
